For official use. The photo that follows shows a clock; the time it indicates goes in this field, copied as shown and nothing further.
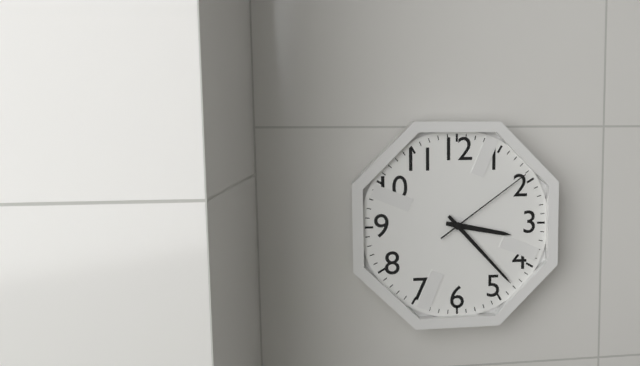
3:23:09
